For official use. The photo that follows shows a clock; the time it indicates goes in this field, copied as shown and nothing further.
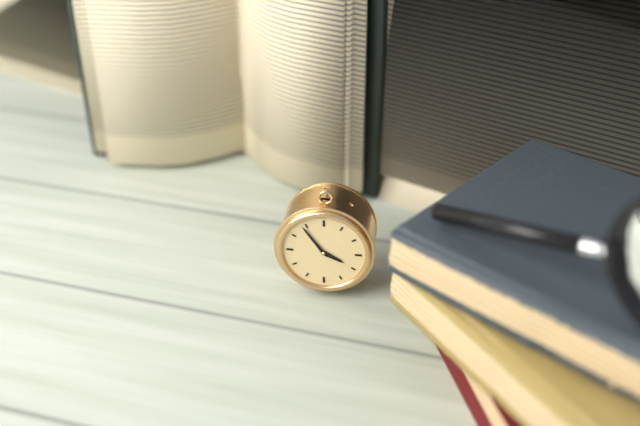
3:54
